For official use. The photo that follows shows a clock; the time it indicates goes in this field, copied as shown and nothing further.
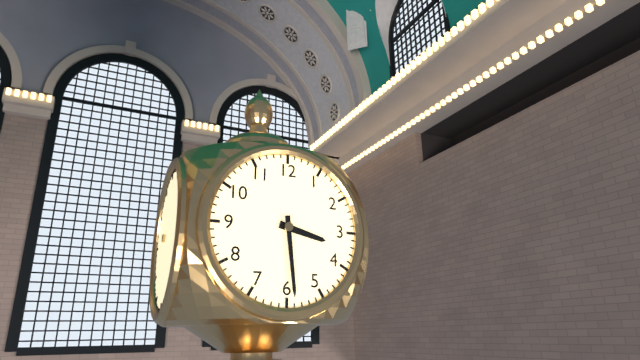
3:29
